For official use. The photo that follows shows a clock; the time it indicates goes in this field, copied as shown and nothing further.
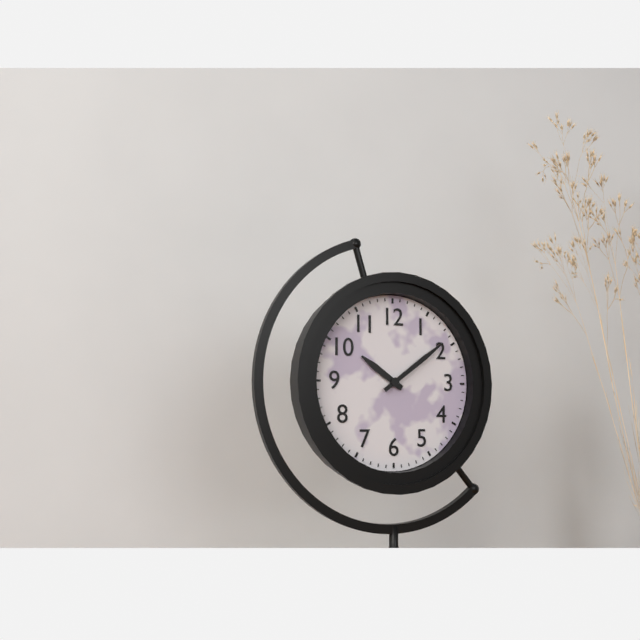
10:09
